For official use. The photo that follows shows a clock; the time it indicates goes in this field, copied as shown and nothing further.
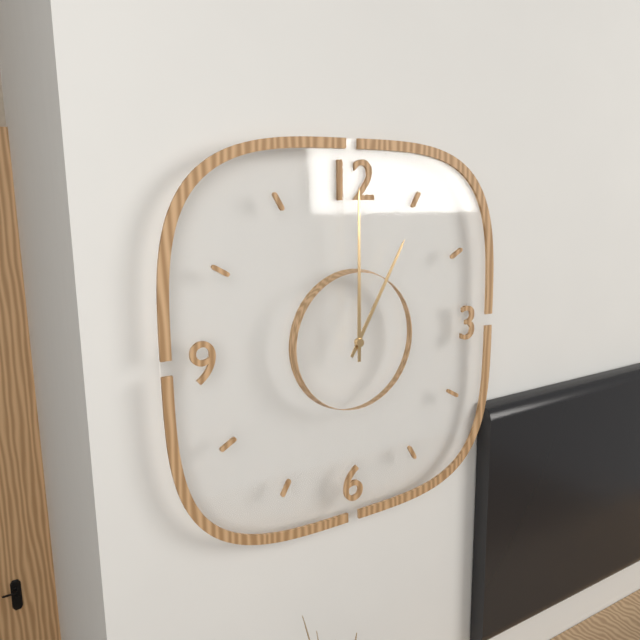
1:00
